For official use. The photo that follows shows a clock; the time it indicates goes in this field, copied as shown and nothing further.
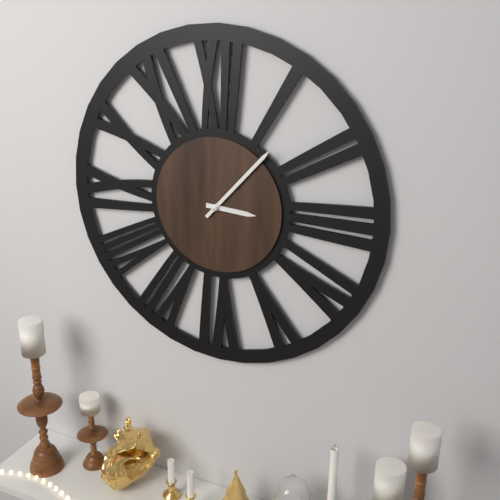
3:07
